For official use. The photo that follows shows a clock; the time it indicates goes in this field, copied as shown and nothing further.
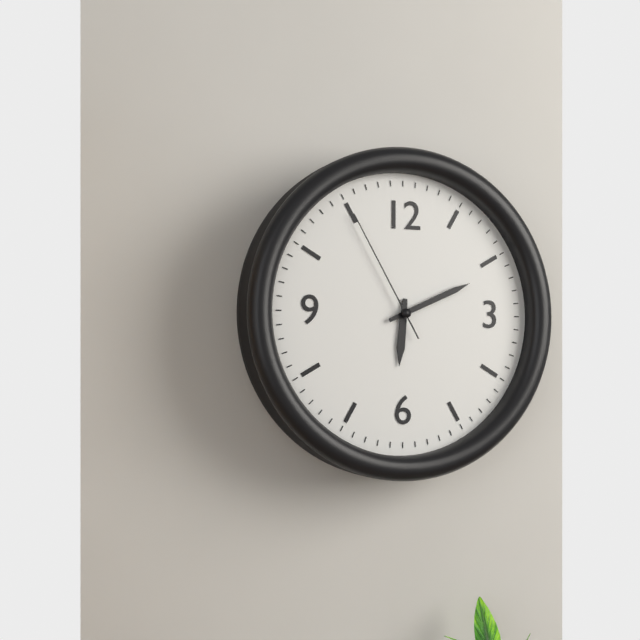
6:11:55
